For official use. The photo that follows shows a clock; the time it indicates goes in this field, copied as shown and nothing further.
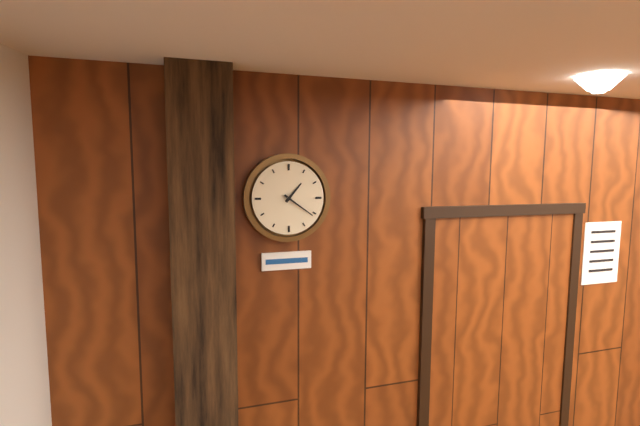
1:21
